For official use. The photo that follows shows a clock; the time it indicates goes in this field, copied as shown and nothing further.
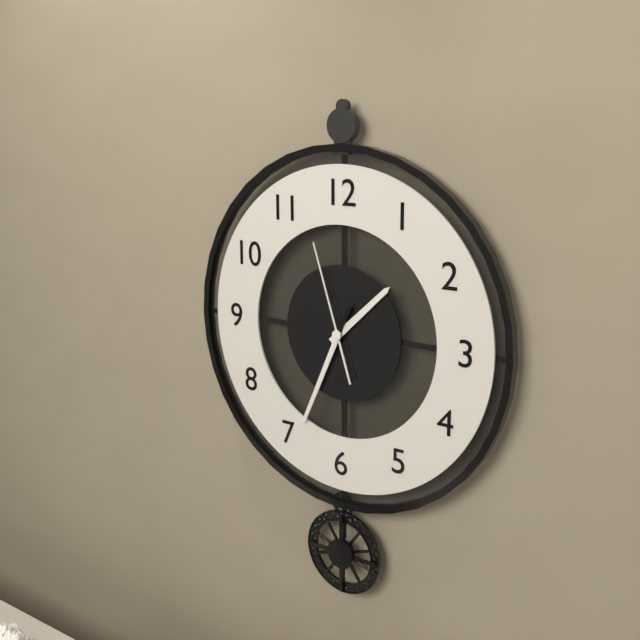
1:34:57
